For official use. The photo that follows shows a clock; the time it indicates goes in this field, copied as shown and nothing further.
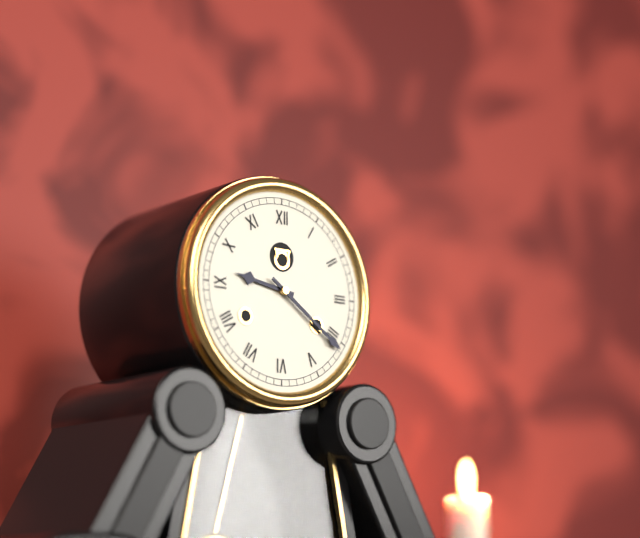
9:21
